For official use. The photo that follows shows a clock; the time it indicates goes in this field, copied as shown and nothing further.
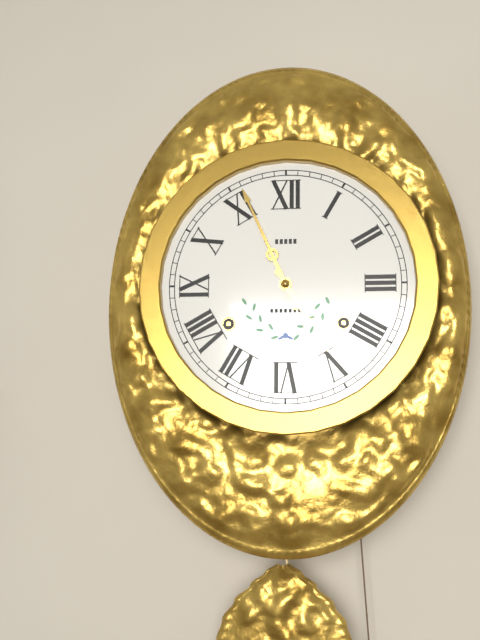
4:56
